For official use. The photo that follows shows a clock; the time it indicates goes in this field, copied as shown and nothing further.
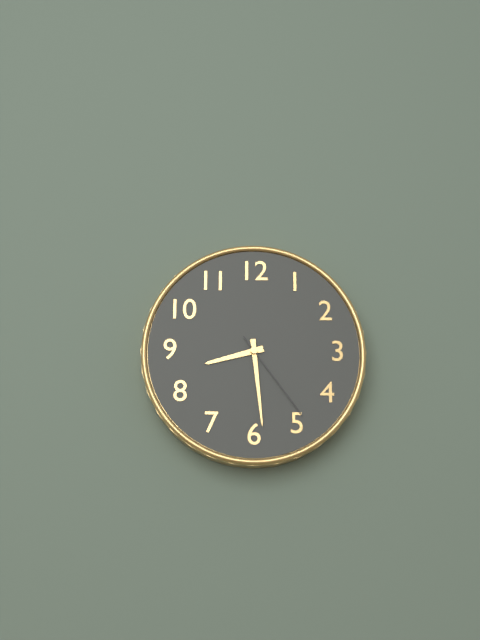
8:29:24
